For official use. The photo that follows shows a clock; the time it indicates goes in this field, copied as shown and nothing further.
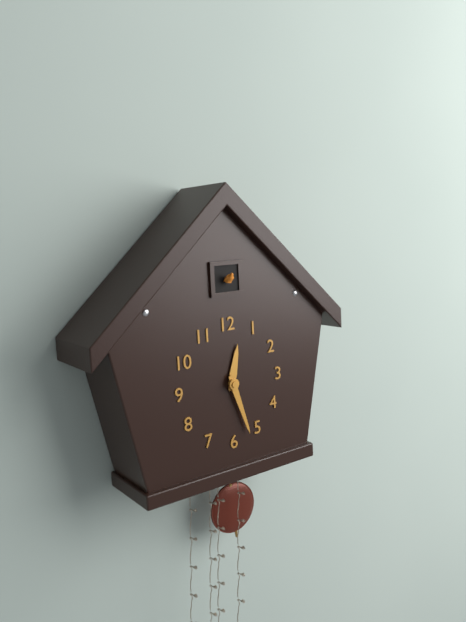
12:27
